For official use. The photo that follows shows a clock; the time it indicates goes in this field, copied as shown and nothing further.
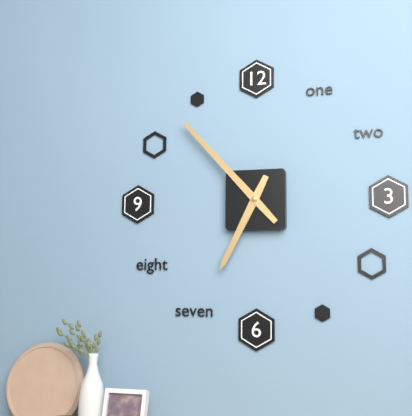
6:53
